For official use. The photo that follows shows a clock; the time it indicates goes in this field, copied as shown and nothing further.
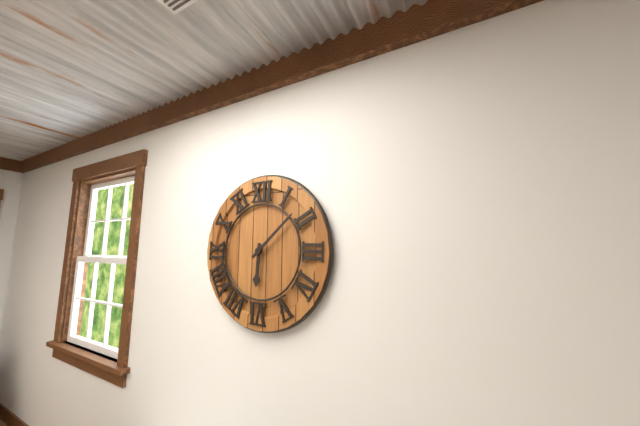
6:08
